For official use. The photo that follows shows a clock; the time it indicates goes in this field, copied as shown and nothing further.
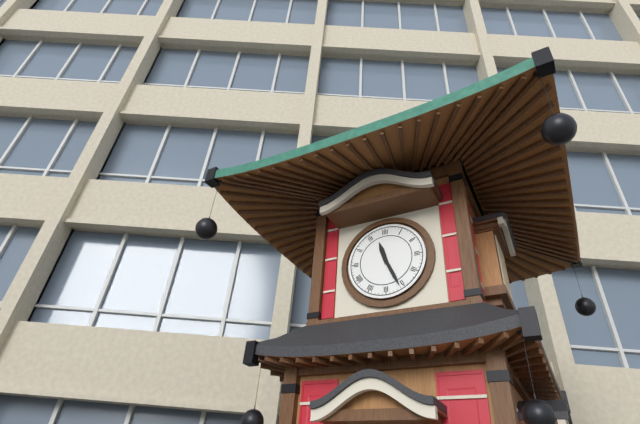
11:26
